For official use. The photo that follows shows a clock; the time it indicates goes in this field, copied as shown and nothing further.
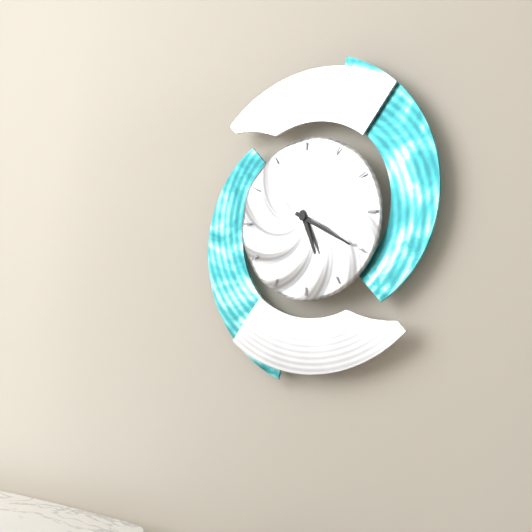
5:20
